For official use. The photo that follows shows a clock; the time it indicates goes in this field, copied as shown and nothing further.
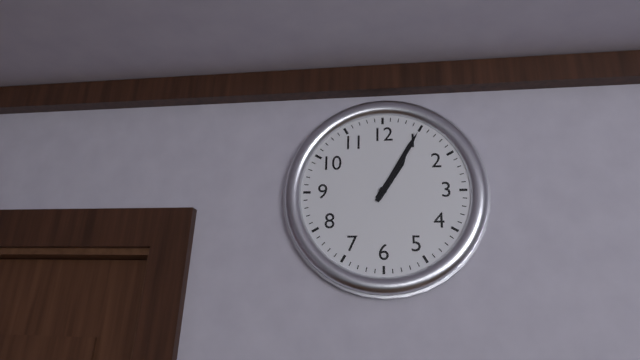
1:05
